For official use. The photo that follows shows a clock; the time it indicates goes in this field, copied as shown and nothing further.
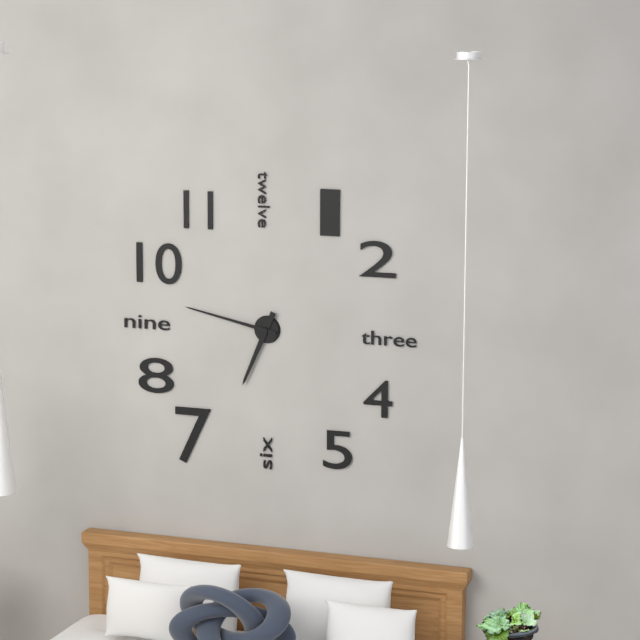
6:47
